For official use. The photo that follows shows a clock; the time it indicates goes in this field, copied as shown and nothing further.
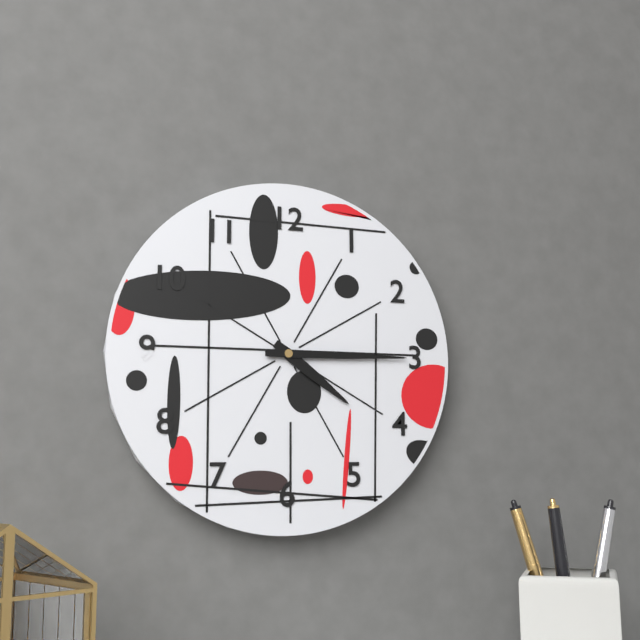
4:15
